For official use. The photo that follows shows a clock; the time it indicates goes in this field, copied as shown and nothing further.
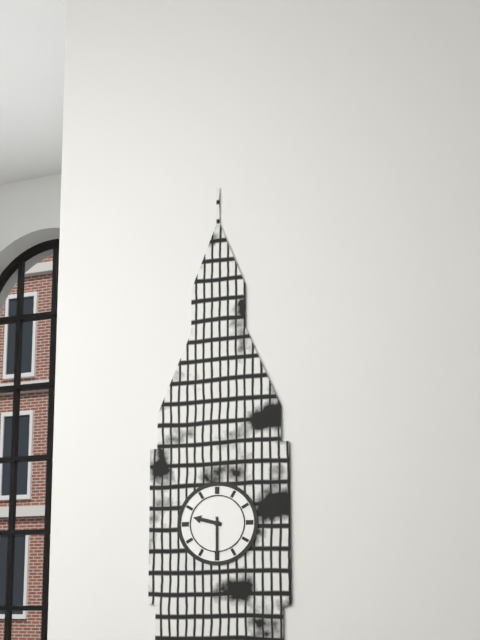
9:30
